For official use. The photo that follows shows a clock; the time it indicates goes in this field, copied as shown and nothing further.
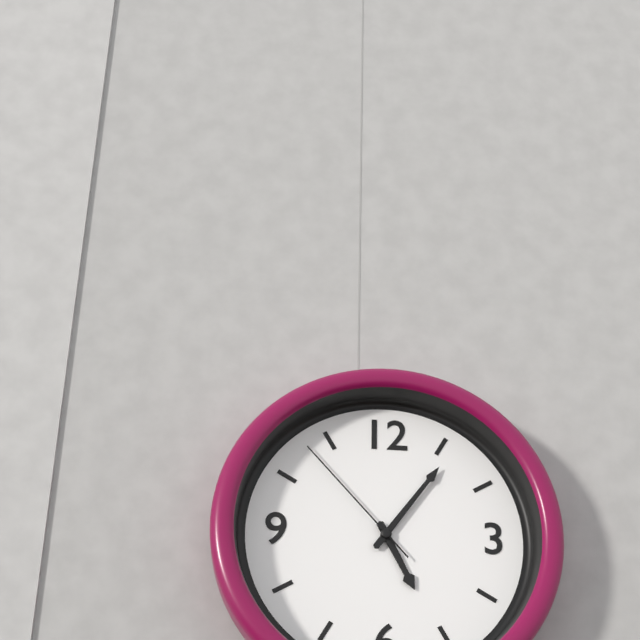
5:06:53
